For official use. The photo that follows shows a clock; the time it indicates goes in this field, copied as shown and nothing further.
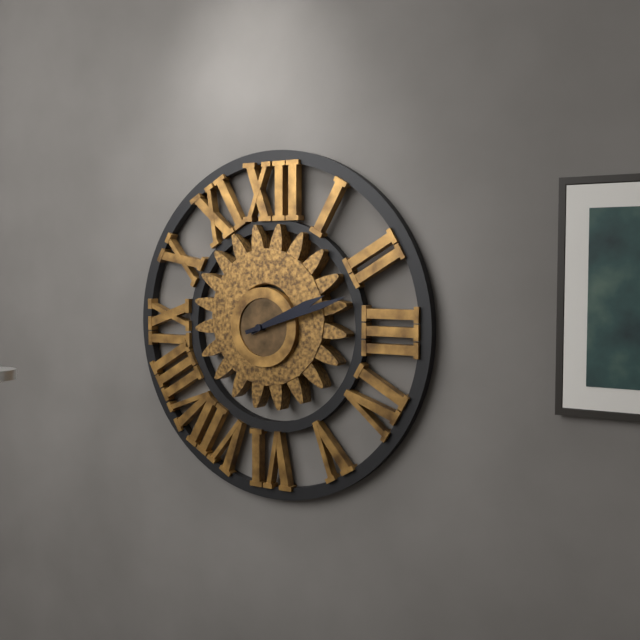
2:12
